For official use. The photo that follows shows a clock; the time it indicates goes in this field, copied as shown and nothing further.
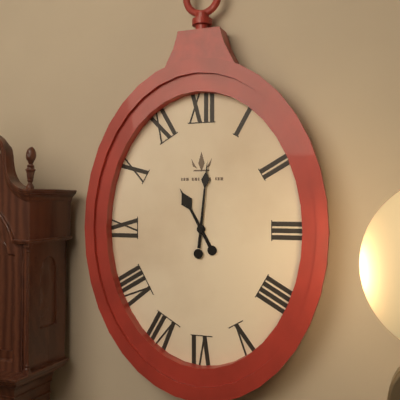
11:01
